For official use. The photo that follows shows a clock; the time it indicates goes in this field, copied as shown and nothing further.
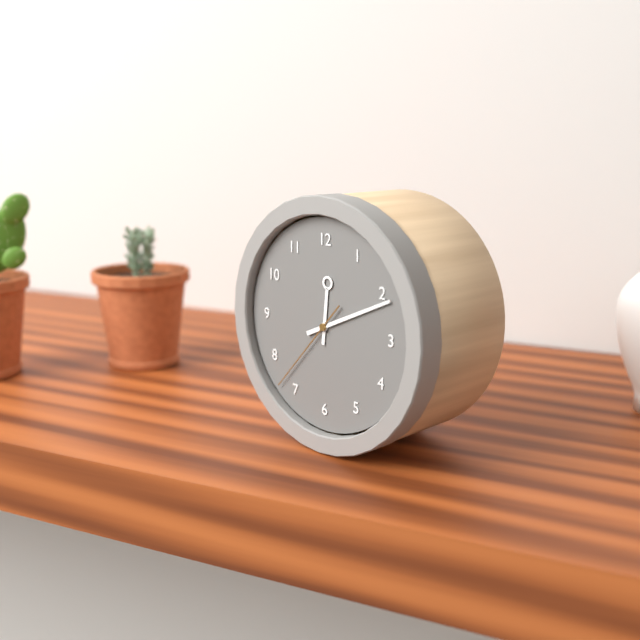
12:11:37
